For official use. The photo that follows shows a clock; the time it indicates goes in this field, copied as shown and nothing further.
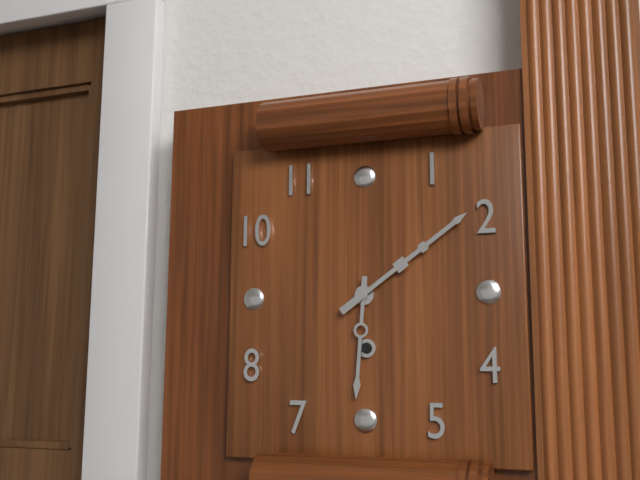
6:09
